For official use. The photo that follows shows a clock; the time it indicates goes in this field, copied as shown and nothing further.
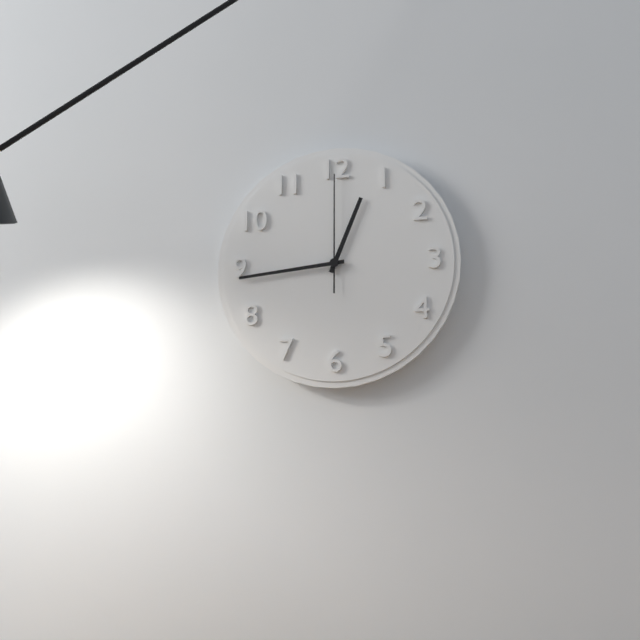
12:44:00
